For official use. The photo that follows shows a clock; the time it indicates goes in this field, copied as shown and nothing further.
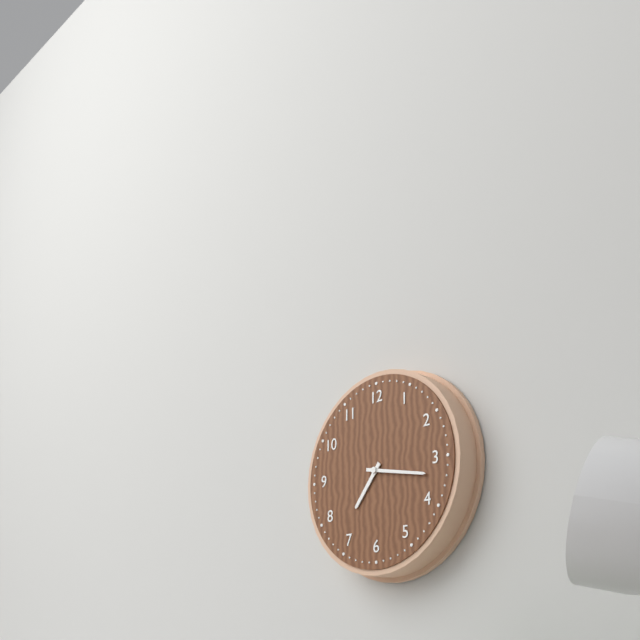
7:17
